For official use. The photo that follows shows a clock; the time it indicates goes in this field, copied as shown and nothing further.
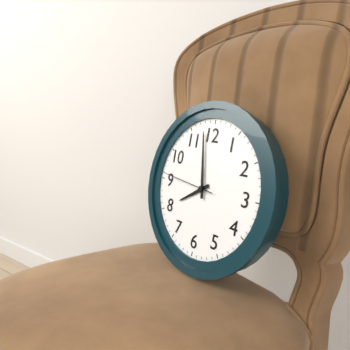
7:58:46
